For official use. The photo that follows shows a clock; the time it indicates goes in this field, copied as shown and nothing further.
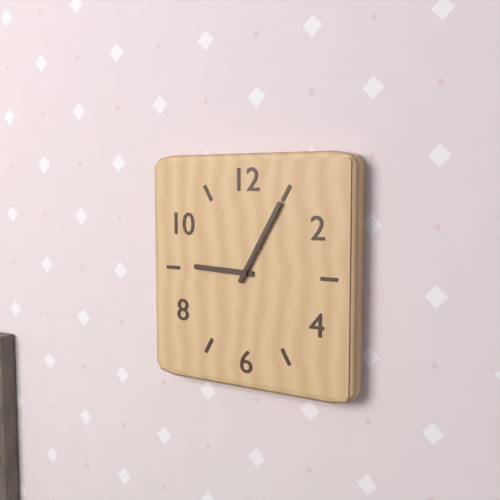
9:05
